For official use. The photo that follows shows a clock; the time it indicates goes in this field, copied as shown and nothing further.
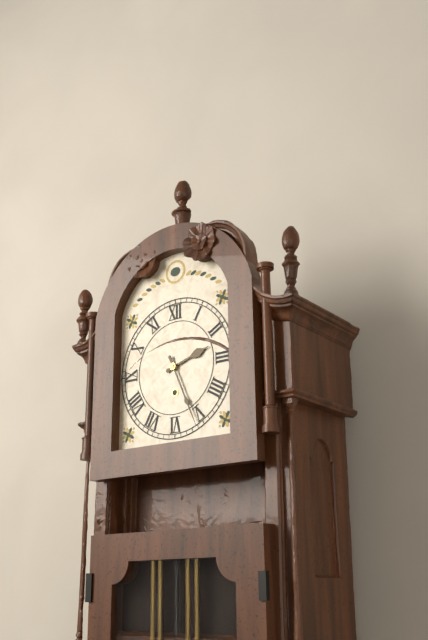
2:26
